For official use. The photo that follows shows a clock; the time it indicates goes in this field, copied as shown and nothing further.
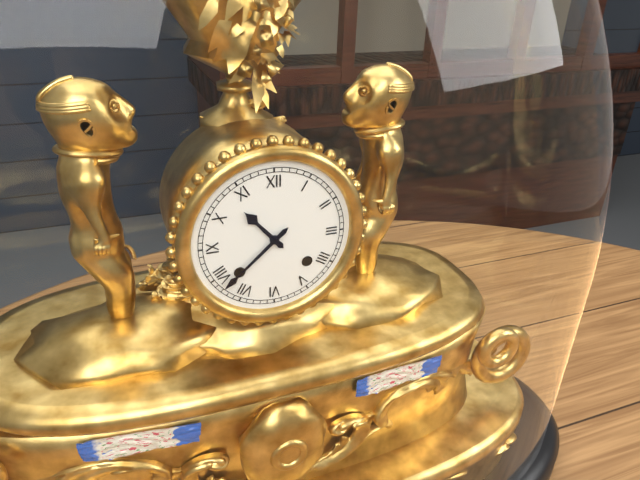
10:38
